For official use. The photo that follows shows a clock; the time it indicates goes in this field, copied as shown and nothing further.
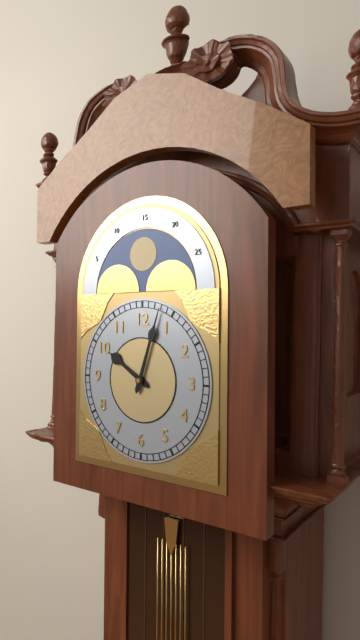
10:03
